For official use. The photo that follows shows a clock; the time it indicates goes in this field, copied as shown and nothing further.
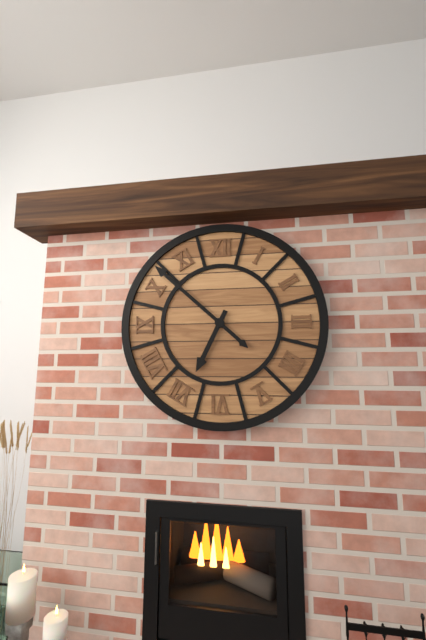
6:52
